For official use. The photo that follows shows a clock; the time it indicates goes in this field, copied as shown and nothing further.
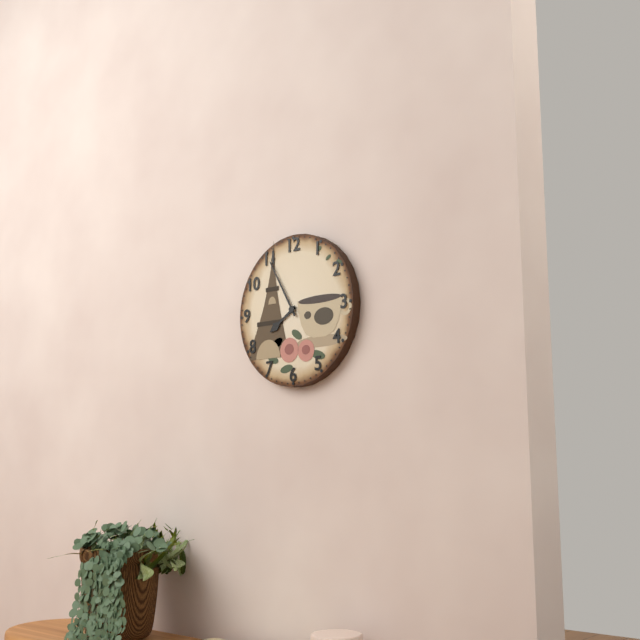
7:55
